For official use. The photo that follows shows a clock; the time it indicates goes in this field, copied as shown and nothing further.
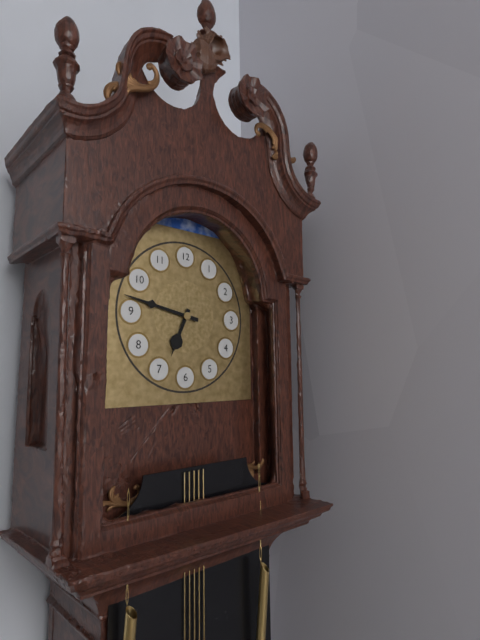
6:47
